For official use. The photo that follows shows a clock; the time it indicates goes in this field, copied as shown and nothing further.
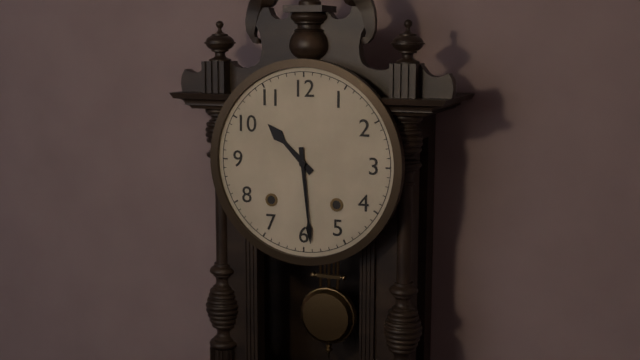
10:29
